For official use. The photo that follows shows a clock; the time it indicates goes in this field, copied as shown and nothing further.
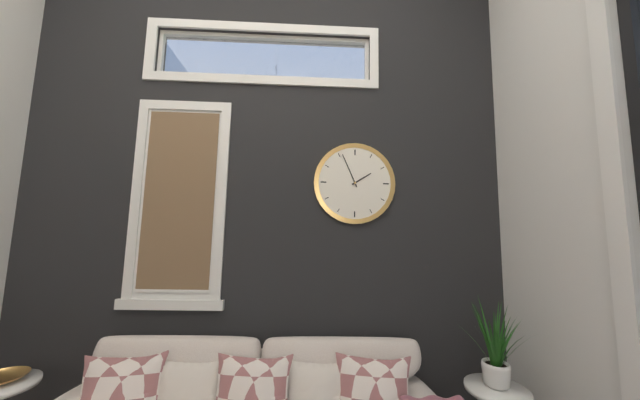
1:56
